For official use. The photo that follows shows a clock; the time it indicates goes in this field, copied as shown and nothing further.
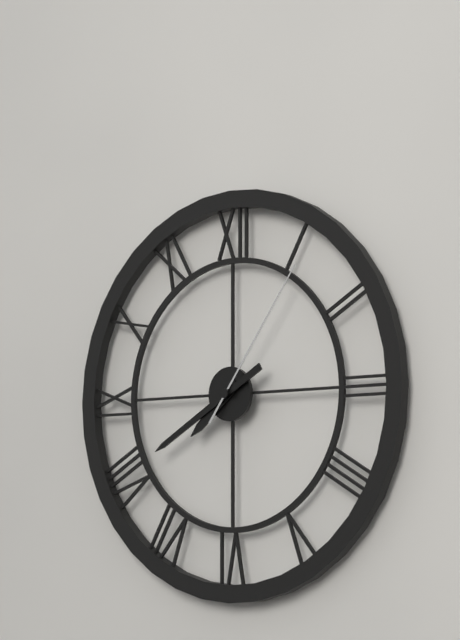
7:40:06
